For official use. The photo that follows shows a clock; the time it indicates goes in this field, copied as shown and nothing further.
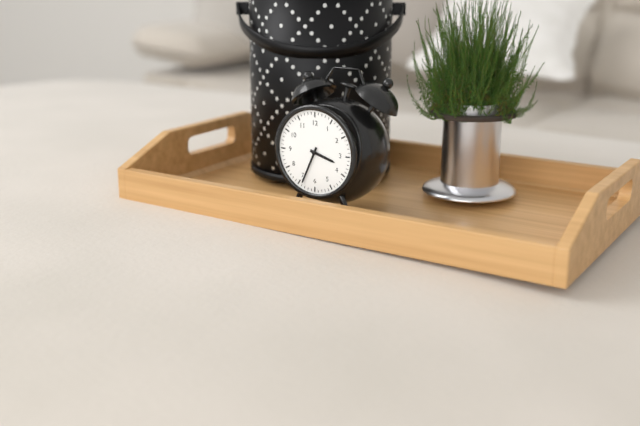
3:34
